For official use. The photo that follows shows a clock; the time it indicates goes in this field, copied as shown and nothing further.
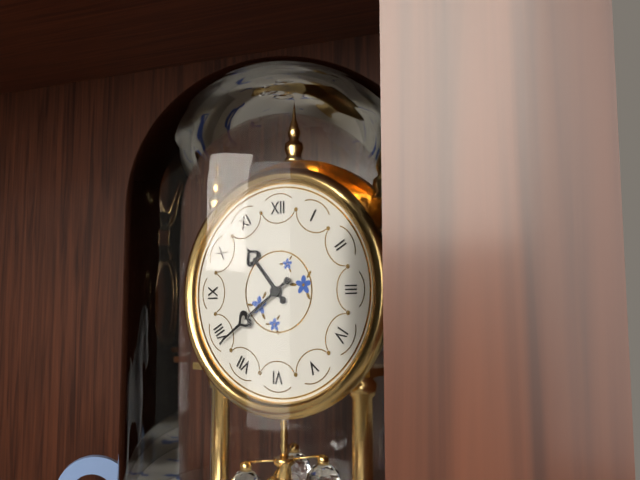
10:39
